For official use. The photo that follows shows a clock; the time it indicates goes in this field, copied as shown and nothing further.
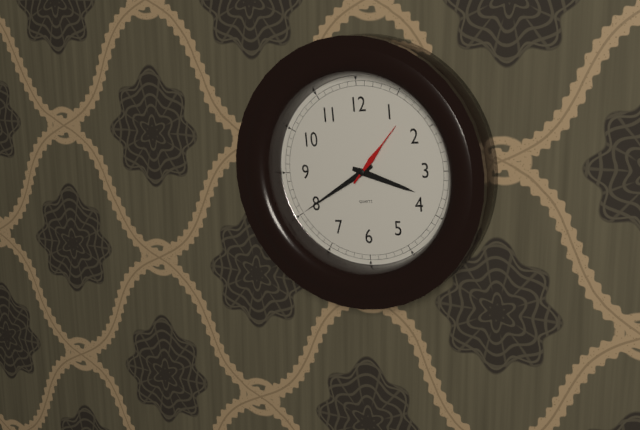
3:40:07
